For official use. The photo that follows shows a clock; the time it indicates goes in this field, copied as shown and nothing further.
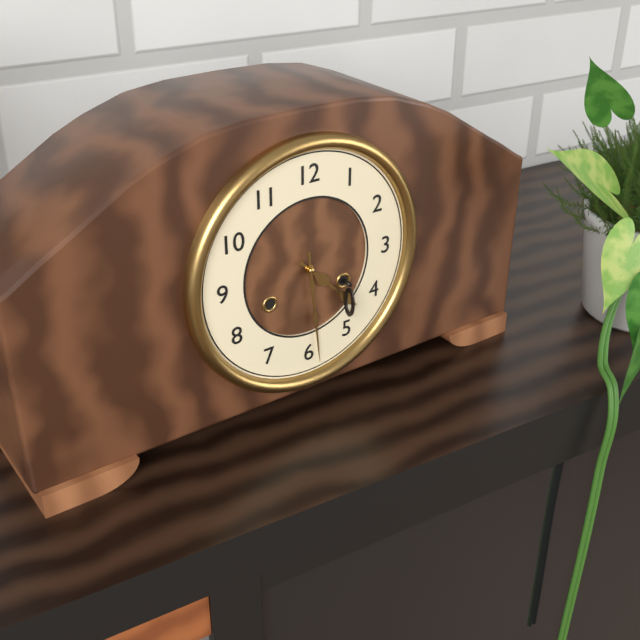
4:29
